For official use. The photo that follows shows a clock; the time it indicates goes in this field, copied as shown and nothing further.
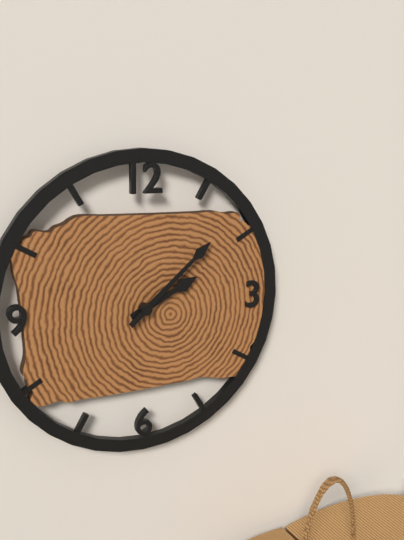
2:08
